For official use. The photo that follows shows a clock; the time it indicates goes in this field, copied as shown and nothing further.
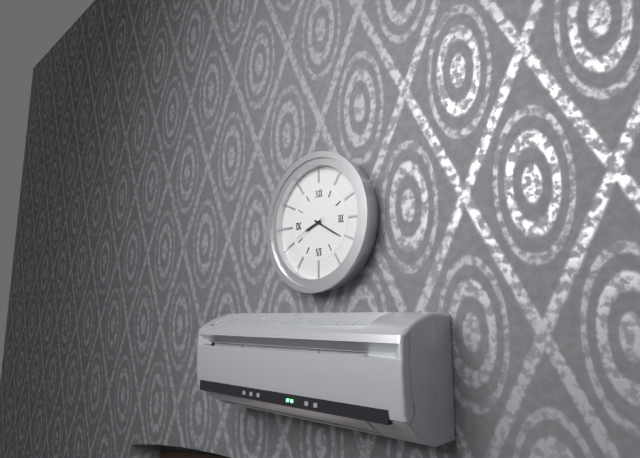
8:20
